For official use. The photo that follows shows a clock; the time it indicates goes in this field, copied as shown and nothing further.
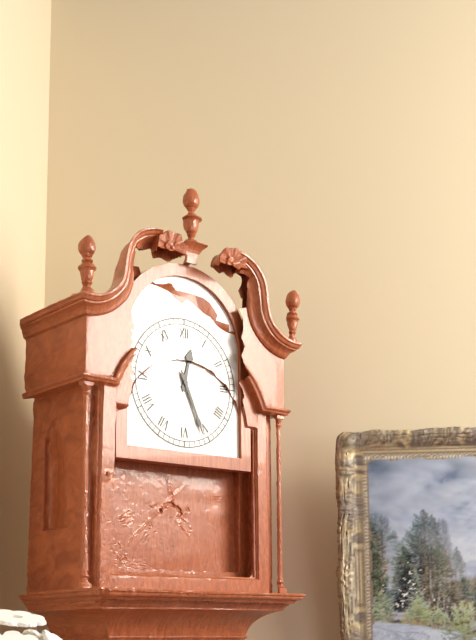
12:26
